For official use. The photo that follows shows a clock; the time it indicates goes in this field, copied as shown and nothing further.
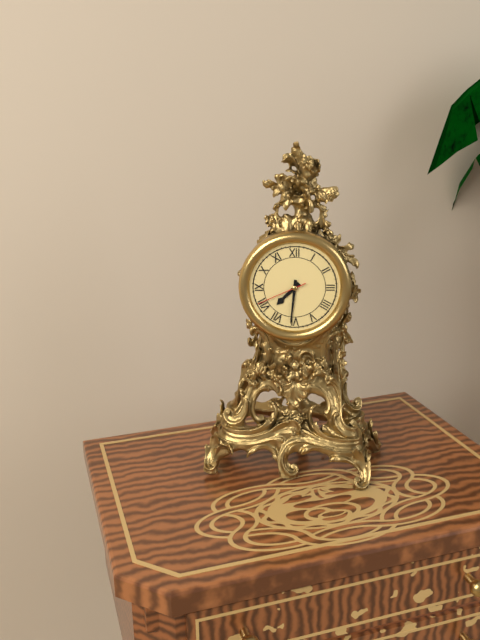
7:31:41
